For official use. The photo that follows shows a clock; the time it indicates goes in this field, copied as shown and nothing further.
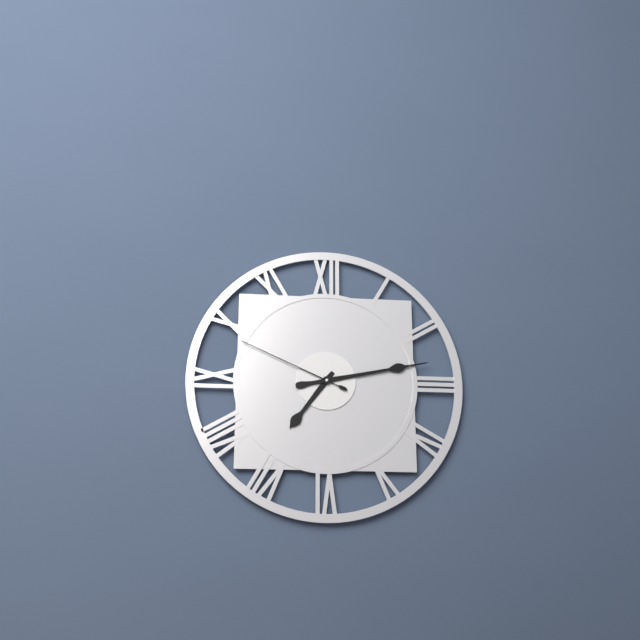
7:13:49
